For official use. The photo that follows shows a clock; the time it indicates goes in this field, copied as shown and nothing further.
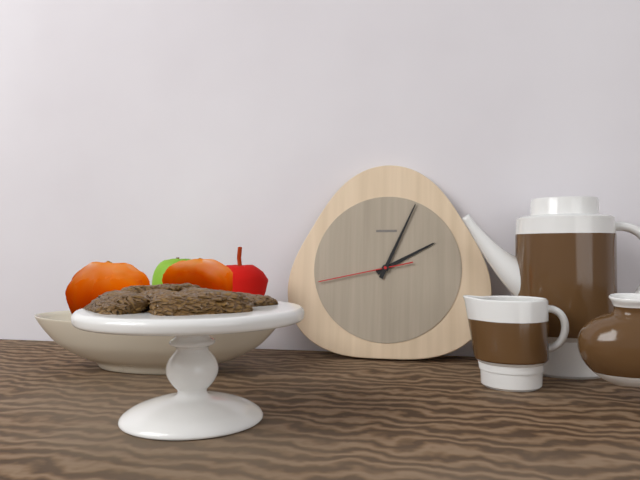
2:04:43
